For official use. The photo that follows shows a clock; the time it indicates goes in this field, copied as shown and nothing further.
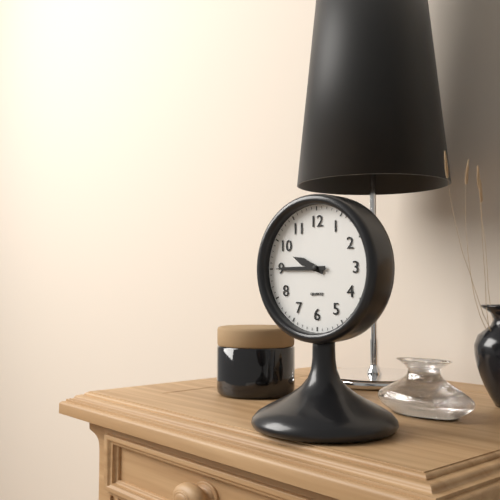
9:45
